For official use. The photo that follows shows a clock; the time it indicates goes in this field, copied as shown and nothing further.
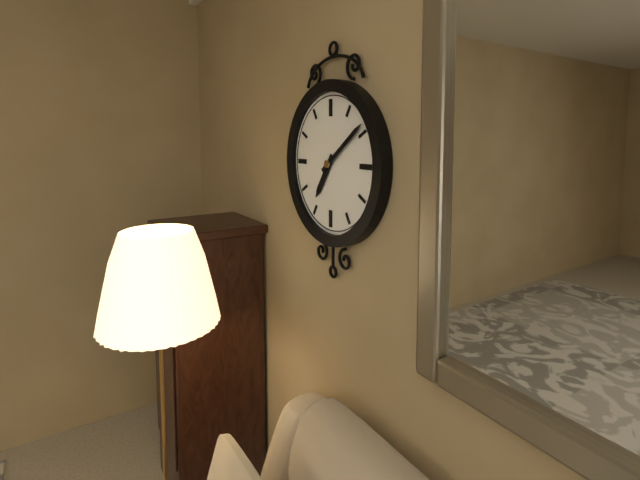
7:09
